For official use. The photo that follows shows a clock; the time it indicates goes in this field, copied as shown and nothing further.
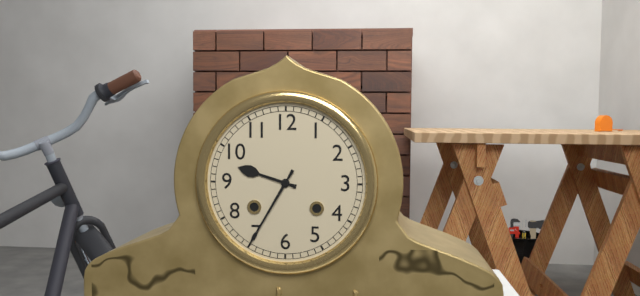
9:35
